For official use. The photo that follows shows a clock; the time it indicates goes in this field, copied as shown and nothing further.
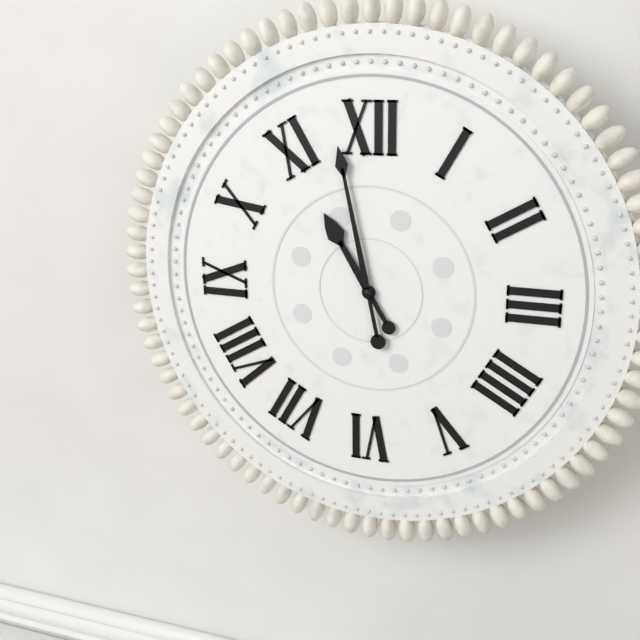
10:58
